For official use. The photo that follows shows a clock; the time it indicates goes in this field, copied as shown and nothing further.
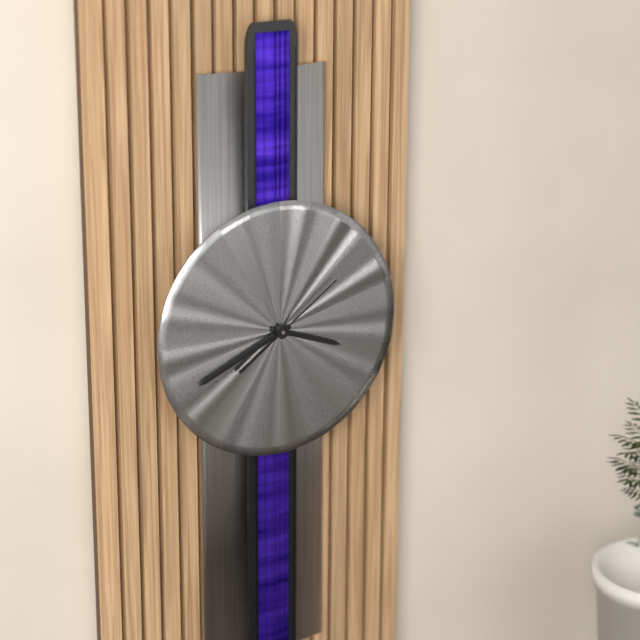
3:41:09
